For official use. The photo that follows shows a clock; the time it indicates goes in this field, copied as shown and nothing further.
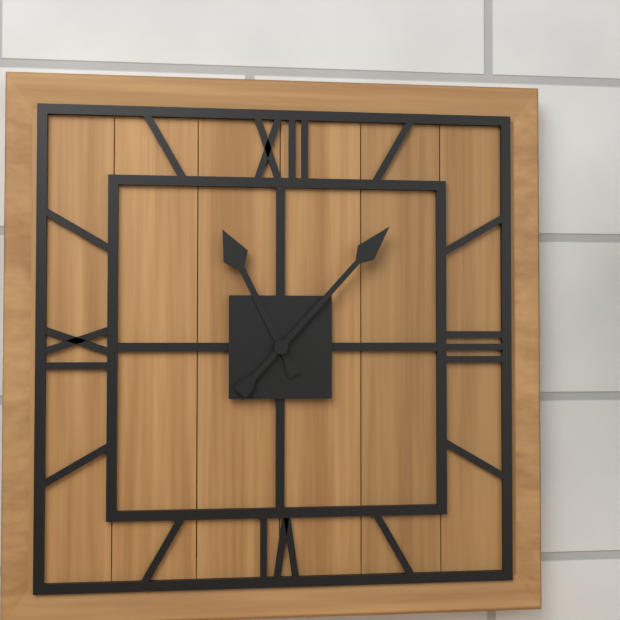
11:07
